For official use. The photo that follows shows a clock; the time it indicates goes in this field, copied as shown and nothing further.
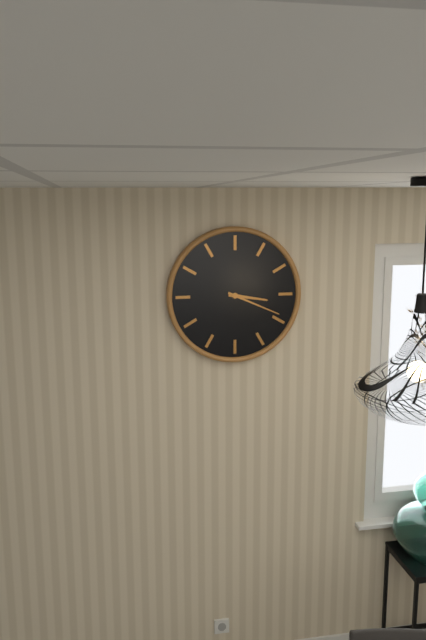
3:19
